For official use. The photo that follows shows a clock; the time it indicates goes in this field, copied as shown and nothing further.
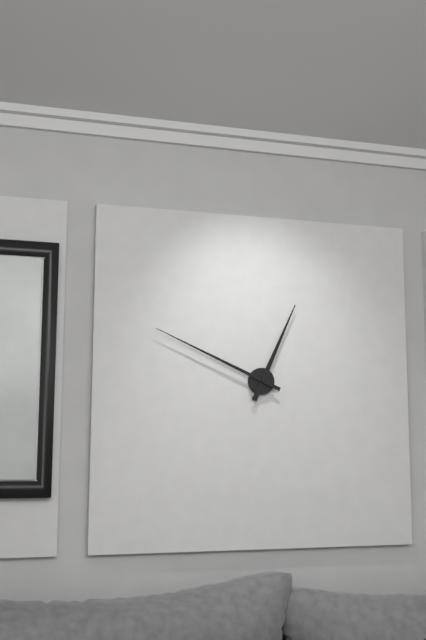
12:49
